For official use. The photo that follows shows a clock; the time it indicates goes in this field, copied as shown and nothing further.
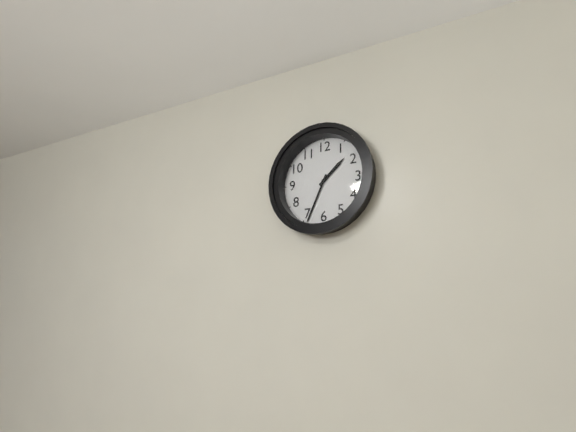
1:34
